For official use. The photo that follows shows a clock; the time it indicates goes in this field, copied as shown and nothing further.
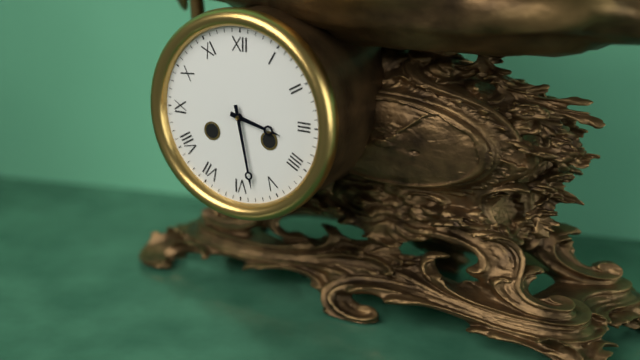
3:28
